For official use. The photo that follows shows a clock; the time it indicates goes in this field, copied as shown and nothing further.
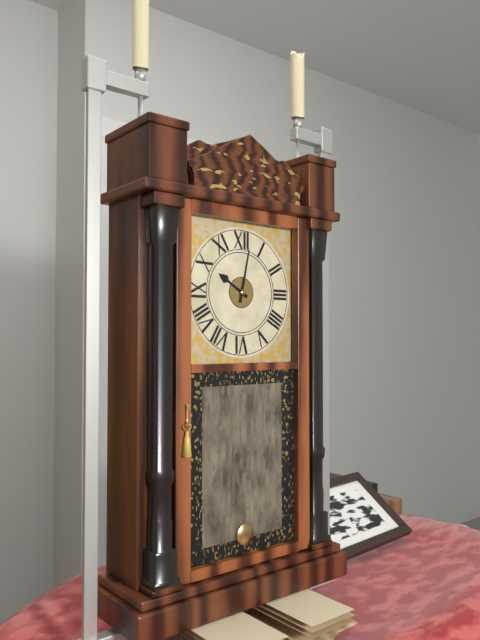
10:02
